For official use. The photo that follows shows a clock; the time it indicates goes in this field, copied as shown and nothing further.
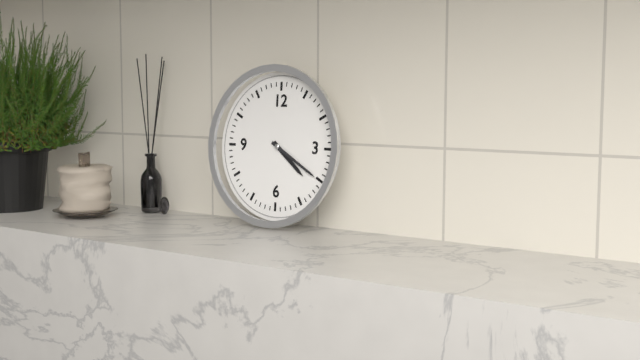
4:20
